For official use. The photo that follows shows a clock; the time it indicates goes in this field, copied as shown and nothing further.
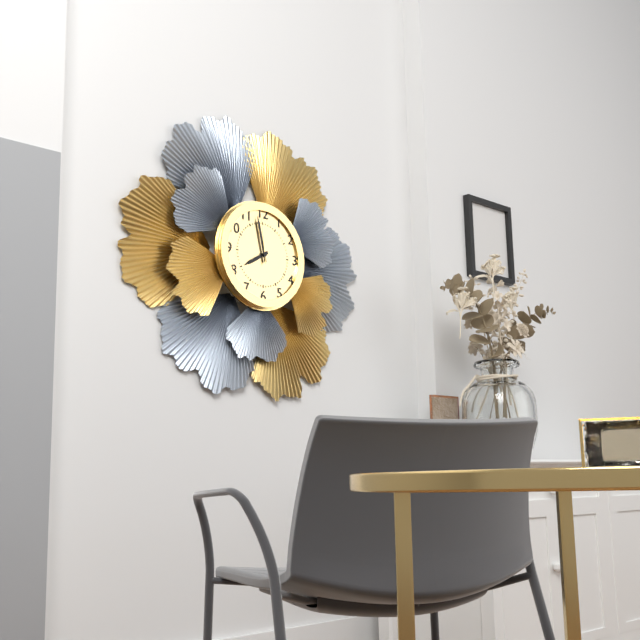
7:58:59
